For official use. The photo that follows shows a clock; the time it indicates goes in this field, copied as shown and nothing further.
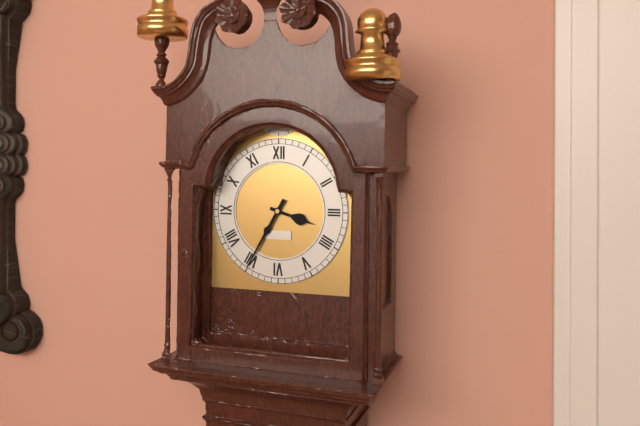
3:35
